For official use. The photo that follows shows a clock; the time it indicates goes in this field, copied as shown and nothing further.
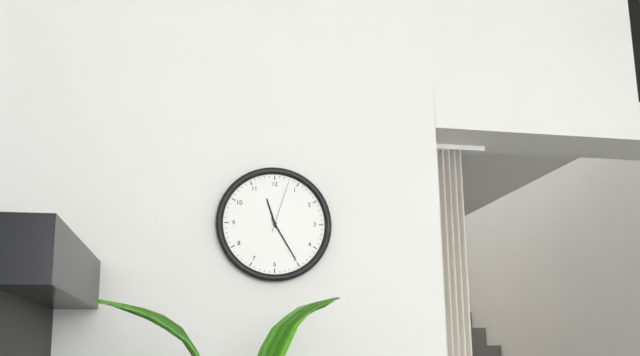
11:25:03
